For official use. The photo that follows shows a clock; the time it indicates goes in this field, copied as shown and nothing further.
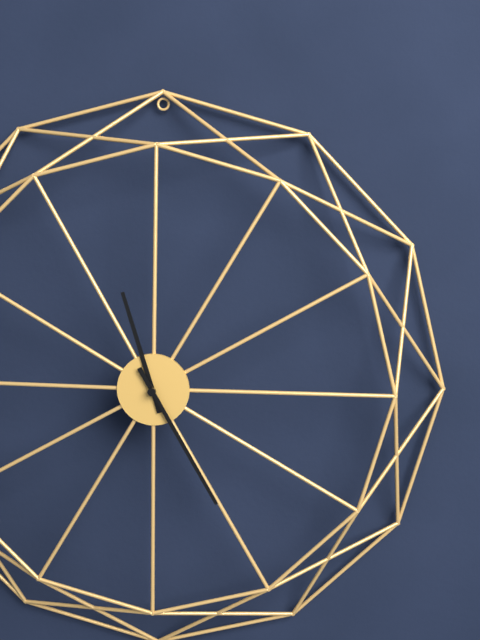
11:25
